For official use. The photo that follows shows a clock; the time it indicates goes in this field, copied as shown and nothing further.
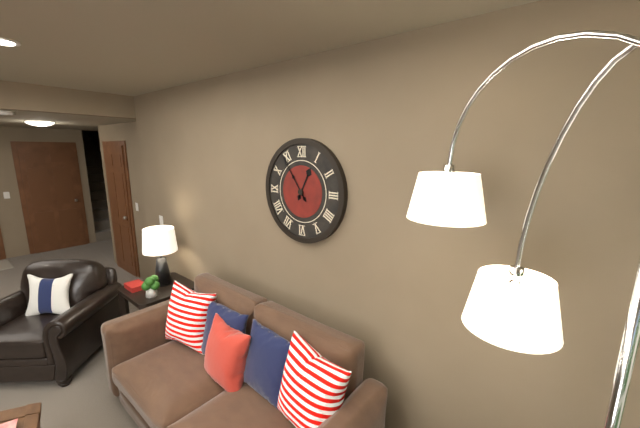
12:54
